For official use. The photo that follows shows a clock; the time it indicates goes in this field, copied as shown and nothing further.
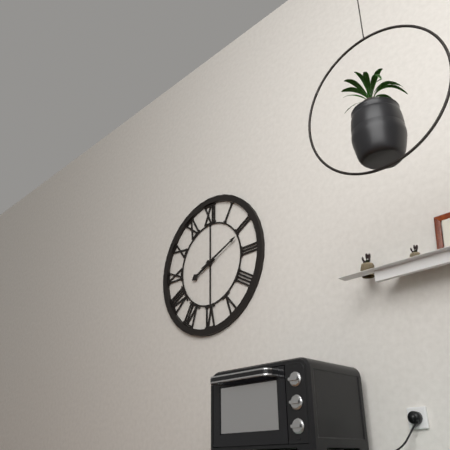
8:11
